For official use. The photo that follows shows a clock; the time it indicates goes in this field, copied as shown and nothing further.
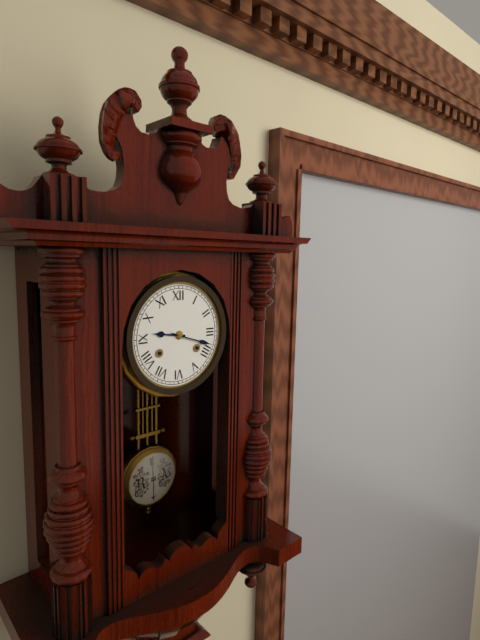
9:18
